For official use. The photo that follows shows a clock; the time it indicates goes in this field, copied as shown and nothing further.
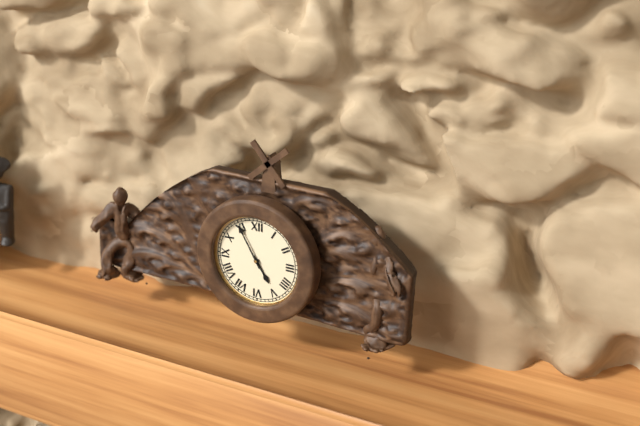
4:55
